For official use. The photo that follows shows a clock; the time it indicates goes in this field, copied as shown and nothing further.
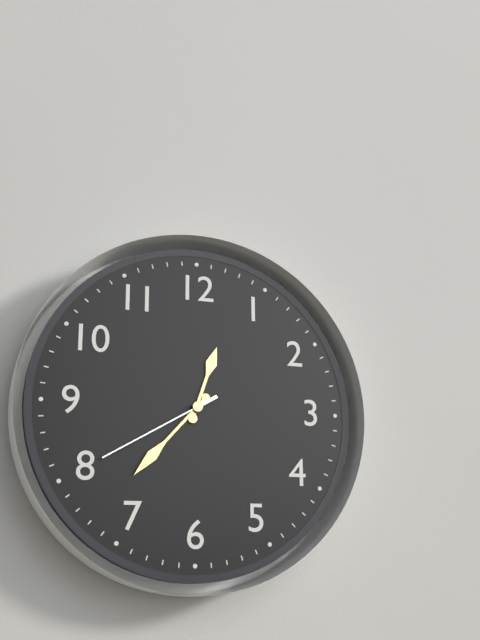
12:37:40
